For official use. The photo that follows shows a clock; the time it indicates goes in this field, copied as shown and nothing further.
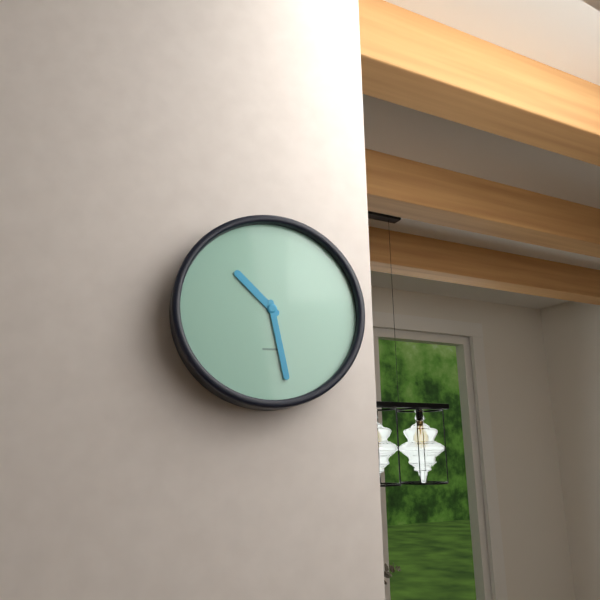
10:28
